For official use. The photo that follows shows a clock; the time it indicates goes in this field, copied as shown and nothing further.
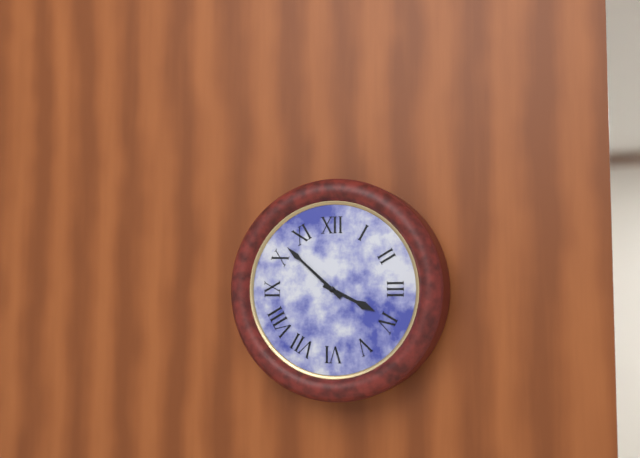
3:52
